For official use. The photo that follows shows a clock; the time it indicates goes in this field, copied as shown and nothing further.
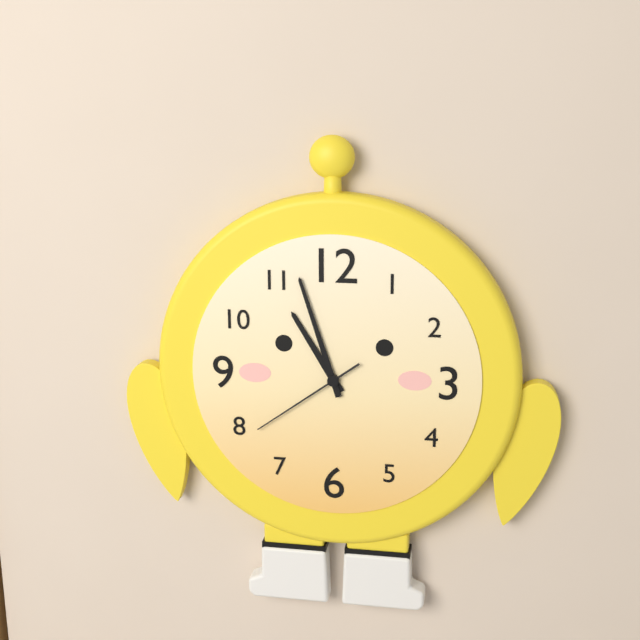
10:57:39
